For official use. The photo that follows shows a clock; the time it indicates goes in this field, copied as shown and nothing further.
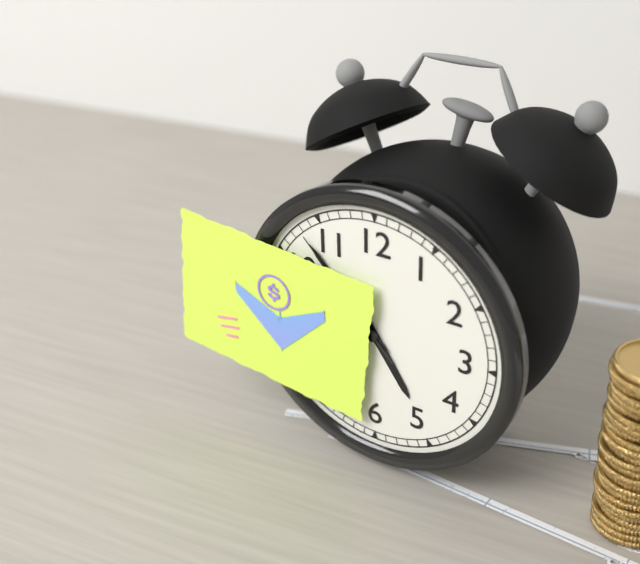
4:53:53
